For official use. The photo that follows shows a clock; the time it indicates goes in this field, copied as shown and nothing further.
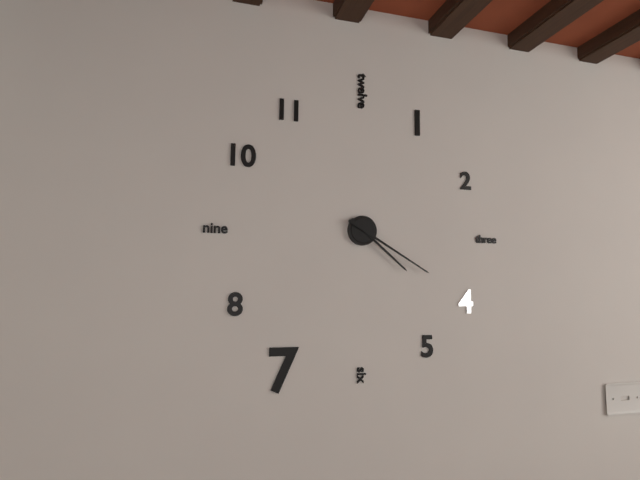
4:20
